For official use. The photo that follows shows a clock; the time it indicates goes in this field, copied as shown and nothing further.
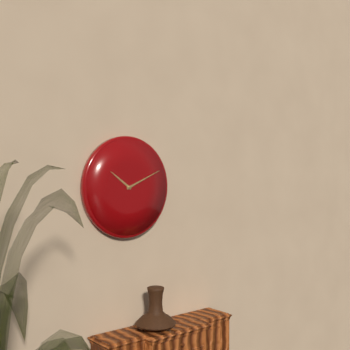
10:11
